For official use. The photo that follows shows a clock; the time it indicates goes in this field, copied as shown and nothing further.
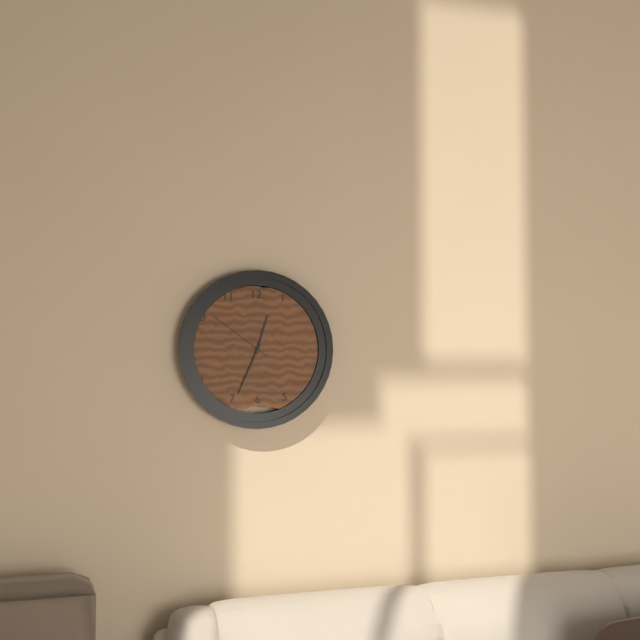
12:34:51
